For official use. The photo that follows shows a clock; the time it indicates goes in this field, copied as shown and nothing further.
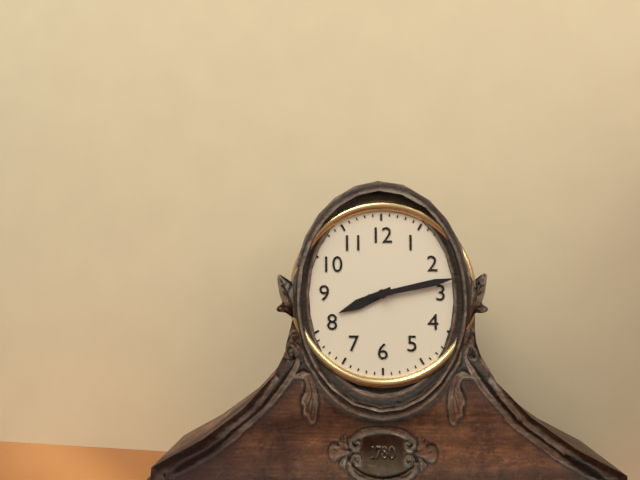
8:13
